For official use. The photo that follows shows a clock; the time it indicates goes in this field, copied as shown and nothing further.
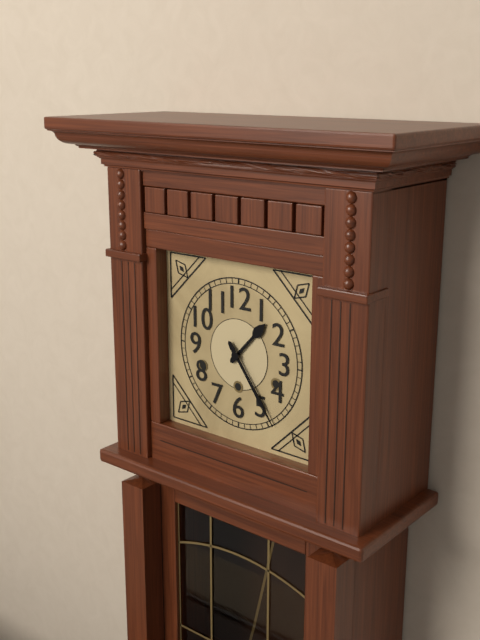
1:24
